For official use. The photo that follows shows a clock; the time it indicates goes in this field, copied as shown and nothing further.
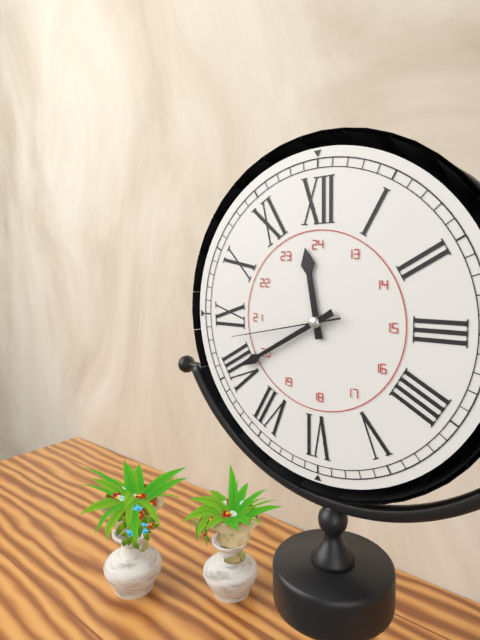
11:40:43
